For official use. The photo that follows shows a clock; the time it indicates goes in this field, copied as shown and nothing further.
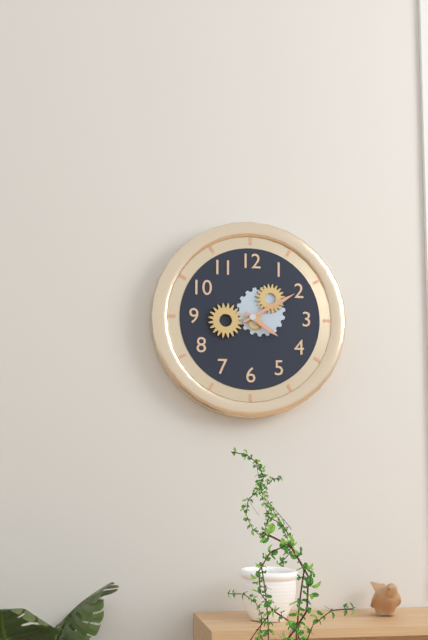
4:10
